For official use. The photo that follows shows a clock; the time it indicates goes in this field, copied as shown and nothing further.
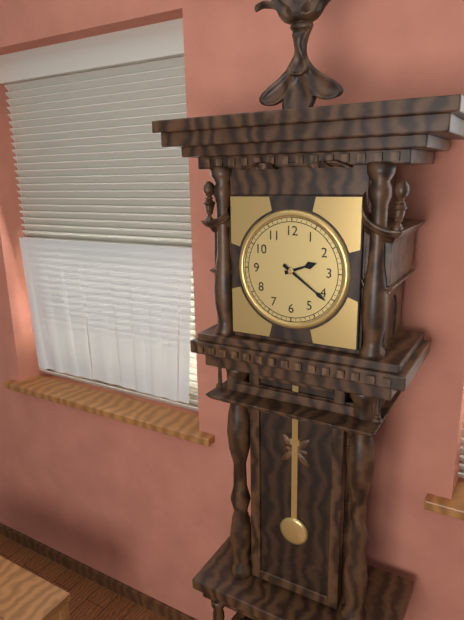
2:21
